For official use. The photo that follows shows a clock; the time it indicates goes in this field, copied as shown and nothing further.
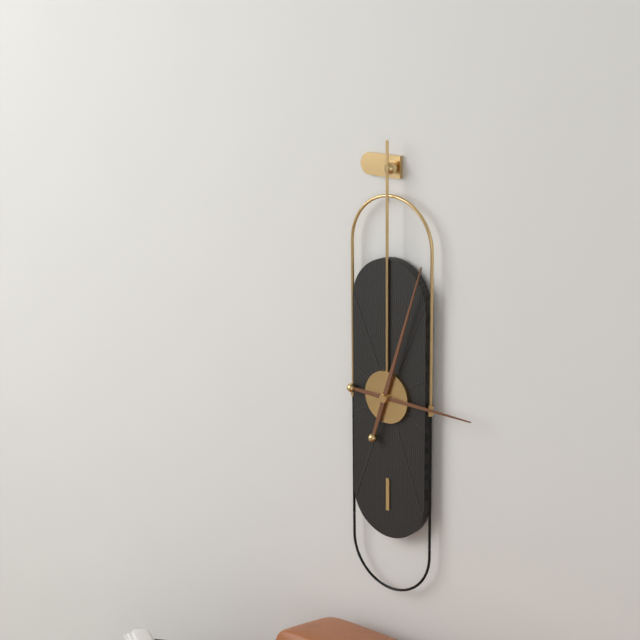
3:03
